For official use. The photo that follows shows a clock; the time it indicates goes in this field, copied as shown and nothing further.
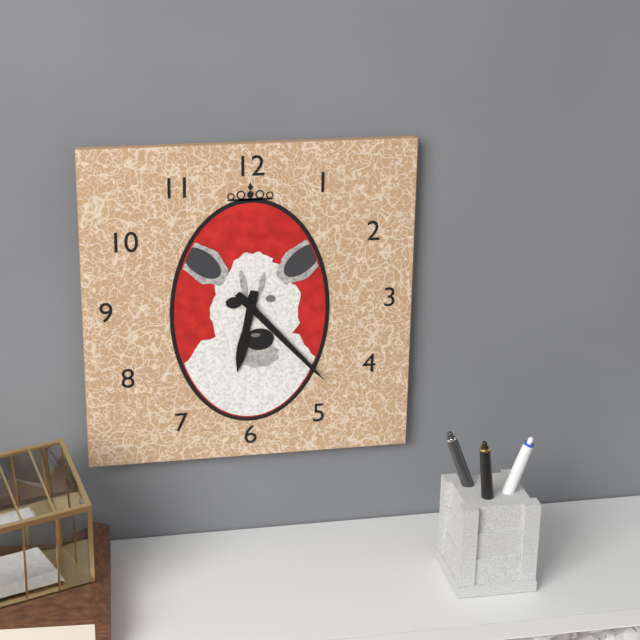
6:23
